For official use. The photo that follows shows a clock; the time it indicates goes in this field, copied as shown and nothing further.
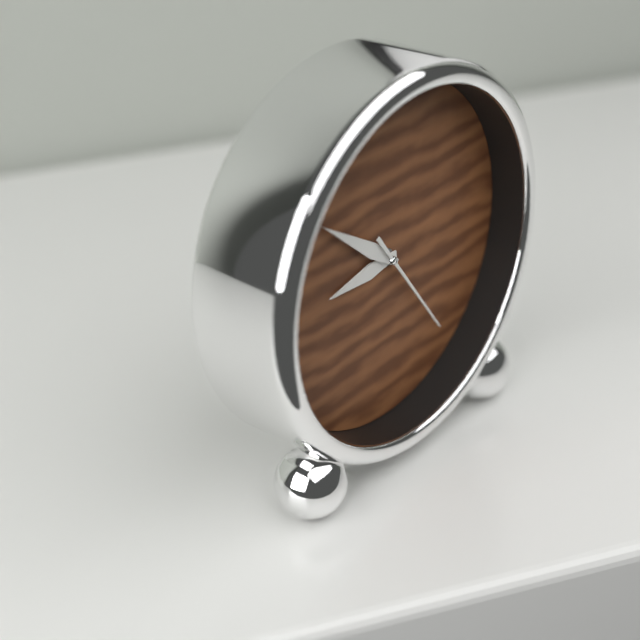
8:51:24
